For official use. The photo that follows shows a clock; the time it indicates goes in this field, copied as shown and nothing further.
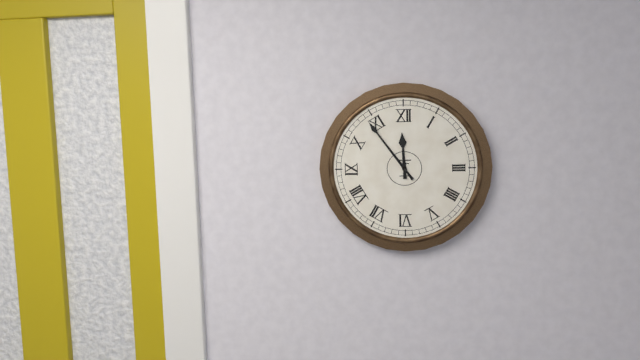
11:54
